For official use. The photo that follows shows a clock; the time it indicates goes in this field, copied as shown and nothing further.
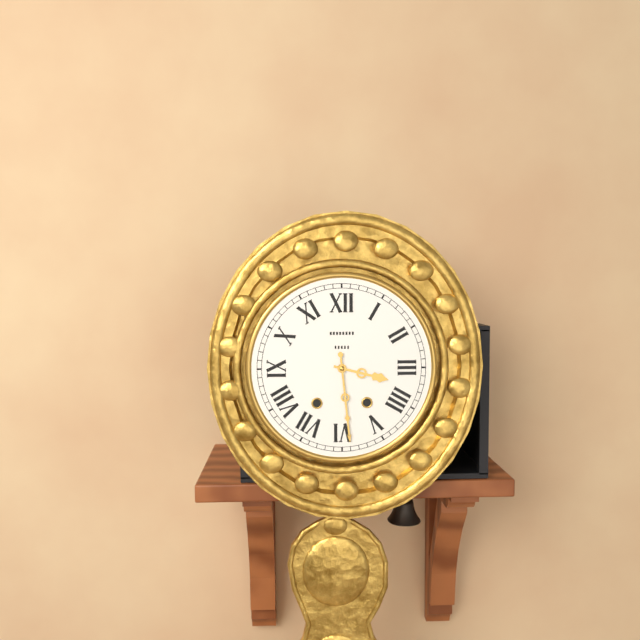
3:29
